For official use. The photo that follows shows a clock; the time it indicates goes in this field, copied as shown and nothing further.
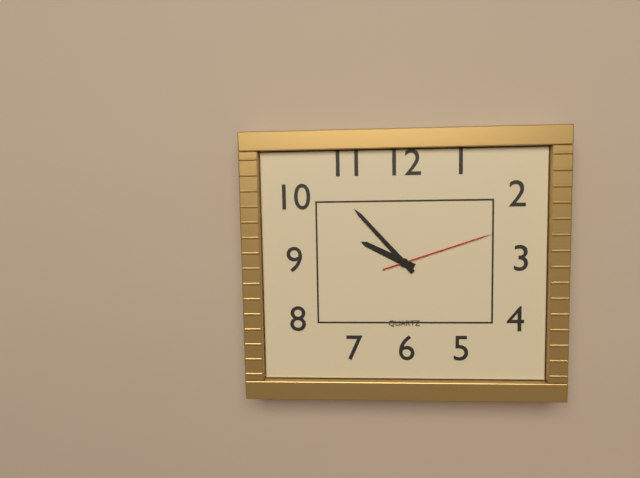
9:53:12
